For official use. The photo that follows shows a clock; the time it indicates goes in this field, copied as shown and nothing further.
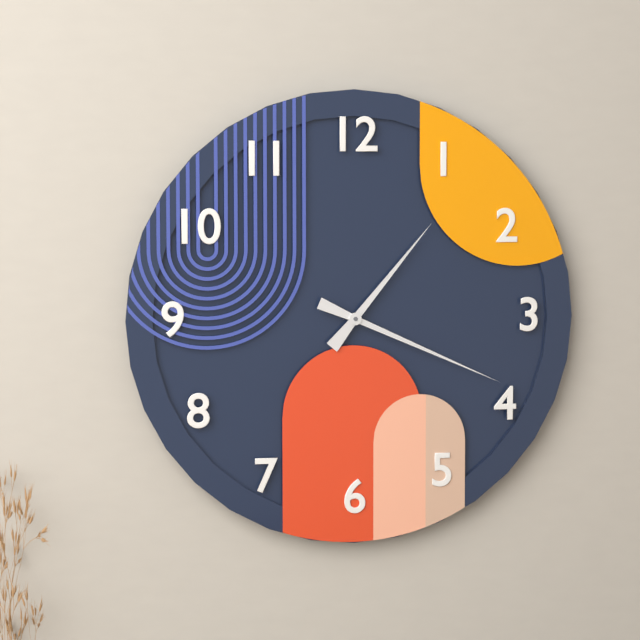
1:19
